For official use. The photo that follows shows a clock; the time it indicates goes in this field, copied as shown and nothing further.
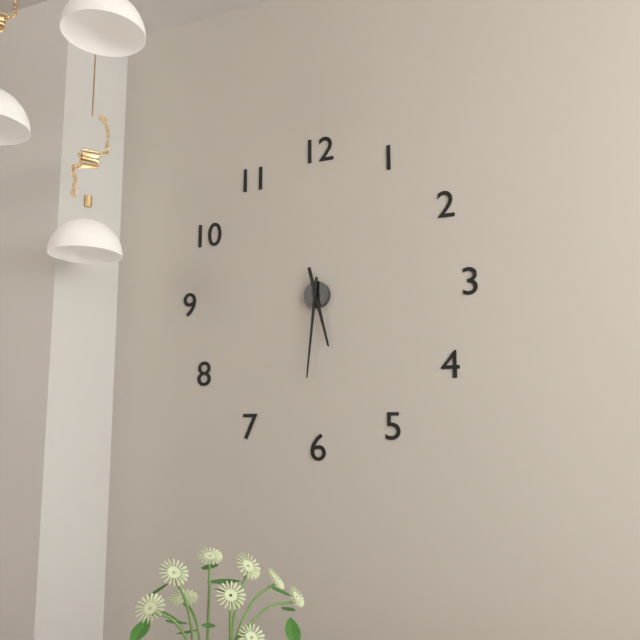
5:31
